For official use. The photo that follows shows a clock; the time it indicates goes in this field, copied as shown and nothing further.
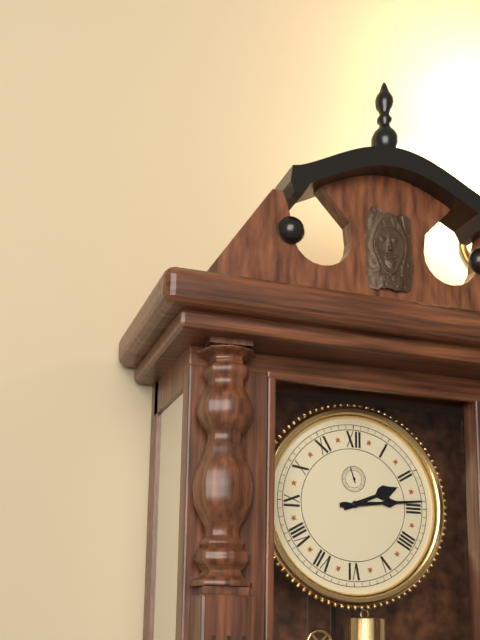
2:14
